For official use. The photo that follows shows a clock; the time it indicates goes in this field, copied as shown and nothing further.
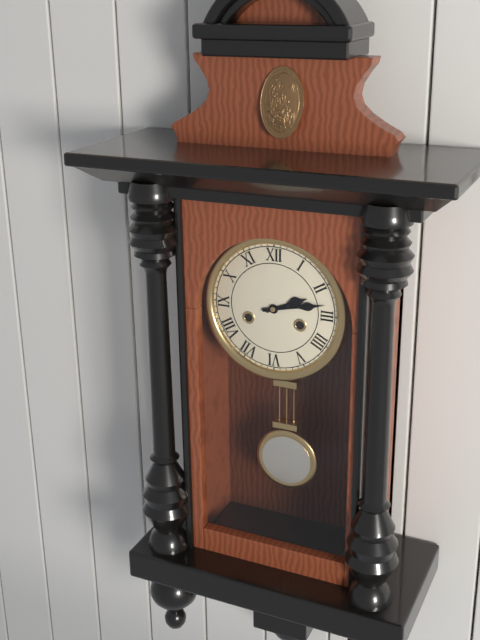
2:13
